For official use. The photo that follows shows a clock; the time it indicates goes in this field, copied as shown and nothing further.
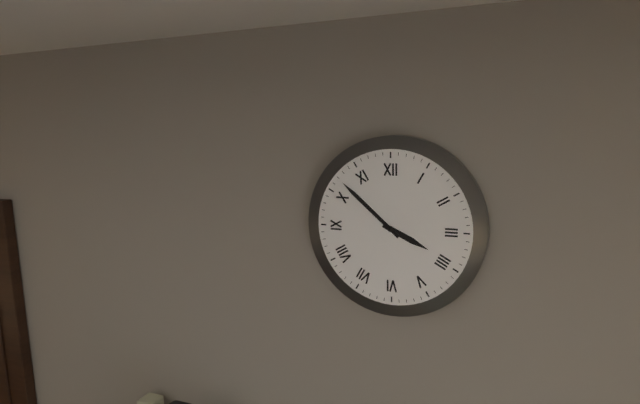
3:52
